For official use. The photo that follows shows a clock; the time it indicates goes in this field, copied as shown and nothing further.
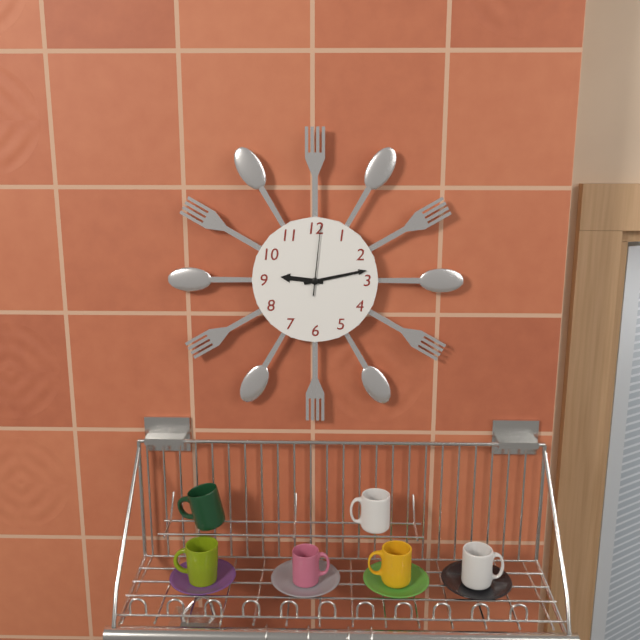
9:13:01
